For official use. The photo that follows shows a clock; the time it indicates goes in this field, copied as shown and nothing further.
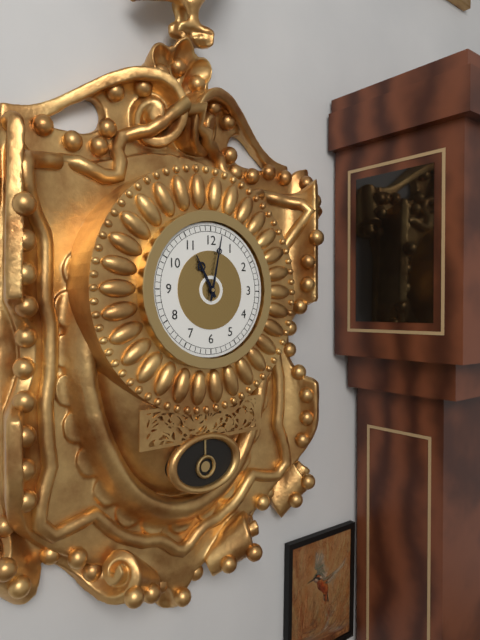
11:02
